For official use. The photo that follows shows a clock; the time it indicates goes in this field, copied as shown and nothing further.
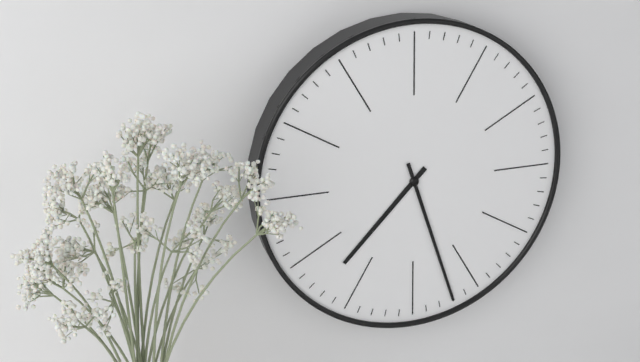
7:27
